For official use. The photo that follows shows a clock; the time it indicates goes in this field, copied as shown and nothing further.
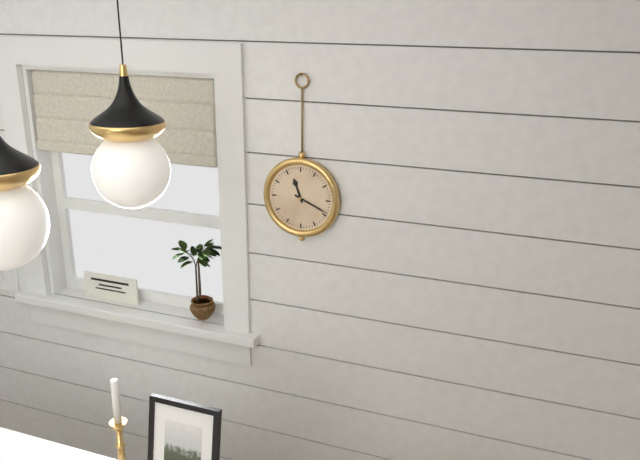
11:19
